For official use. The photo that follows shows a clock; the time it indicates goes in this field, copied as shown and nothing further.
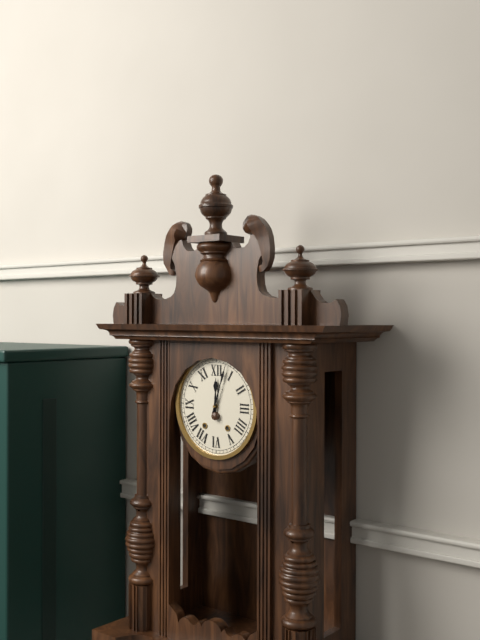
12:03
